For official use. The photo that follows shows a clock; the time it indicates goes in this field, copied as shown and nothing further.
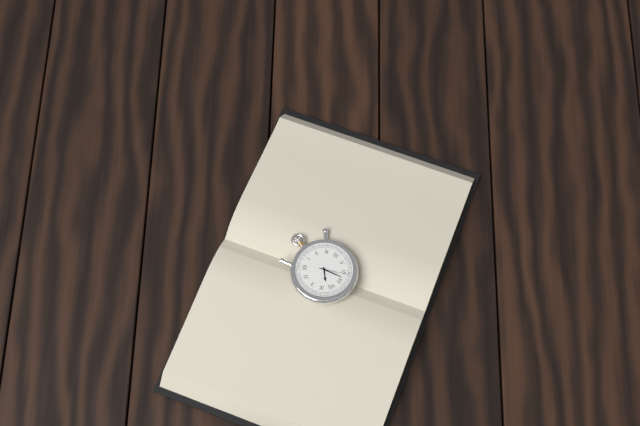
8:33
